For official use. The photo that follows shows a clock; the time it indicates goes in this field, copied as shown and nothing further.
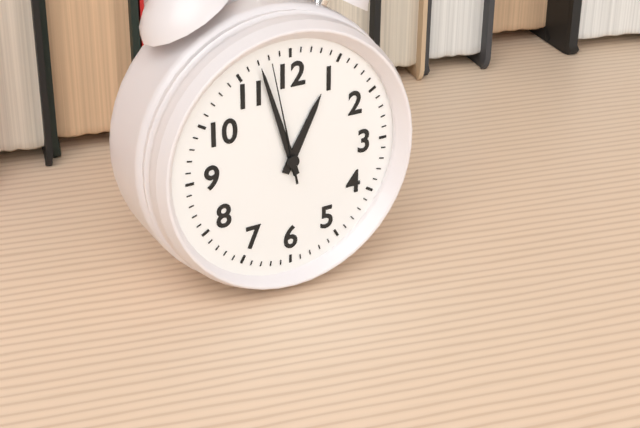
12:57:58
